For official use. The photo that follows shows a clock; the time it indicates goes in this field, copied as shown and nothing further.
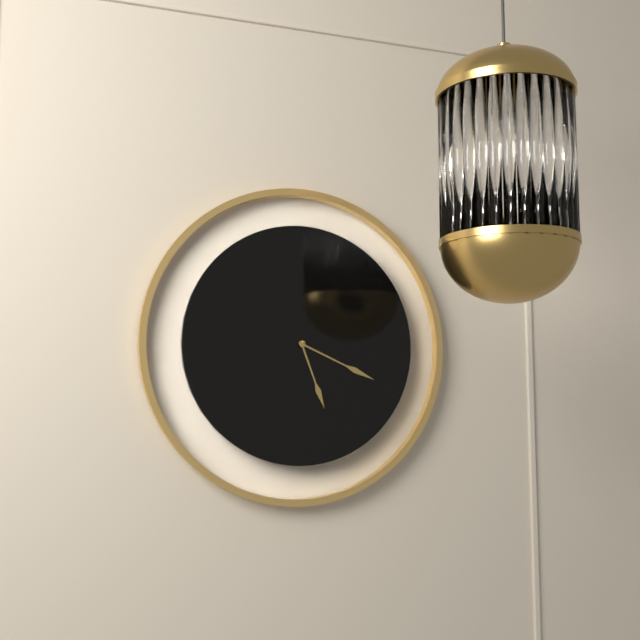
5:19
